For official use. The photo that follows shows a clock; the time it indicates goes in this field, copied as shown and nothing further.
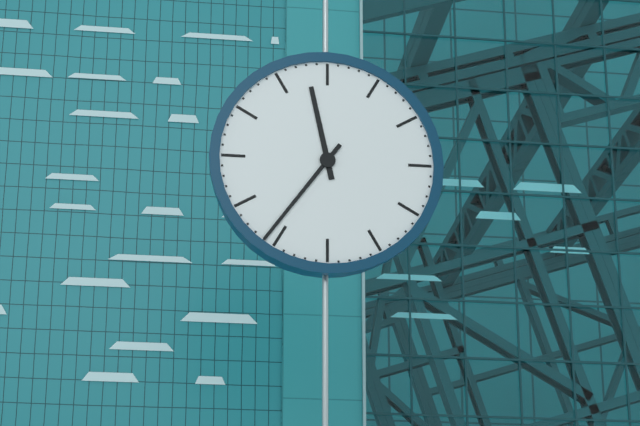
11:36
